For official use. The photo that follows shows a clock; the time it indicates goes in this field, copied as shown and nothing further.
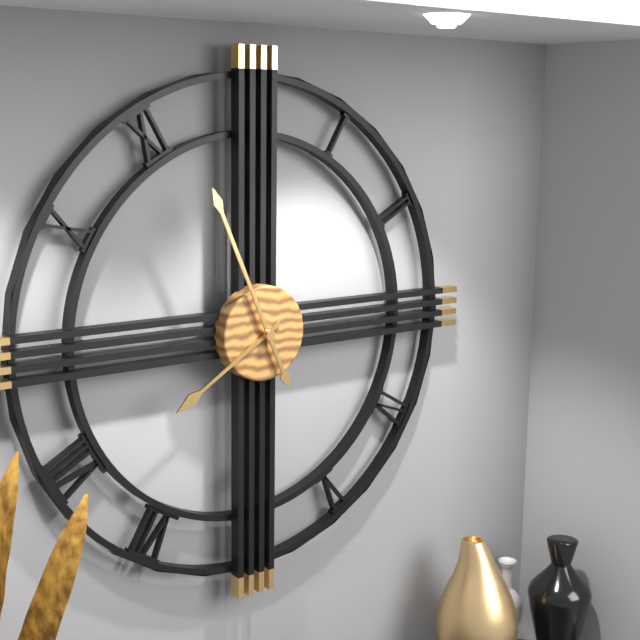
7:56
